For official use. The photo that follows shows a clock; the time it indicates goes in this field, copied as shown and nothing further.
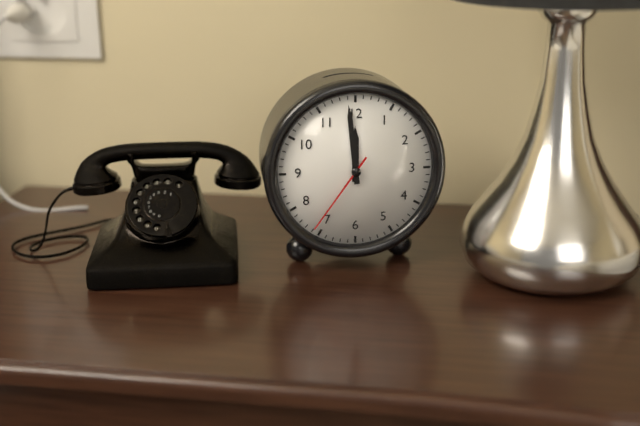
11:59:36
